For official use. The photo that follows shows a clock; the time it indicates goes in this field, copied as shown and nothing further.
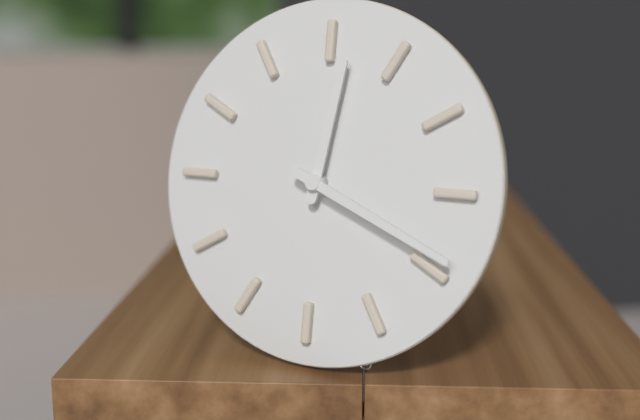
12:19
